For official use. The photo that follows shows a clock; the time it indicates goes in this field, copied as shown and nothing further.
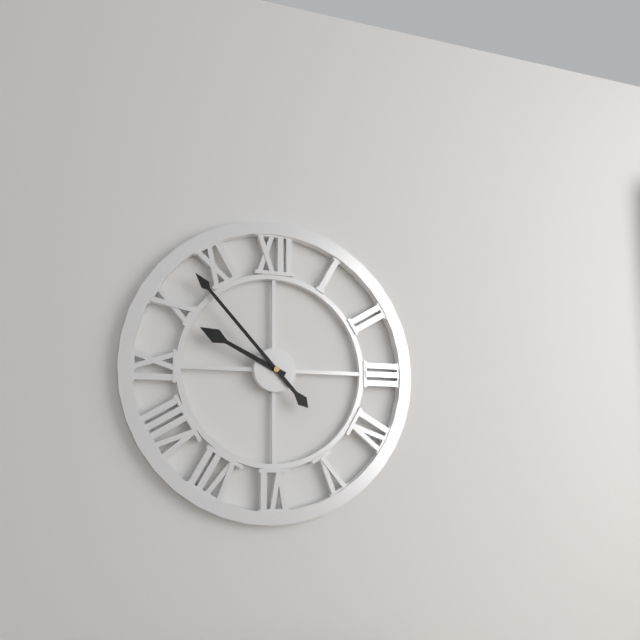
9:53
